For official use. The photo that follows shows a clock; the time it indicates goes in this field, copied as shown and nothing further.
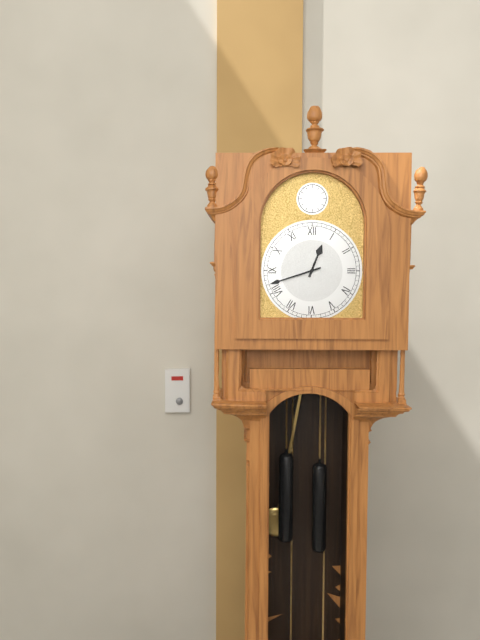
12:42
